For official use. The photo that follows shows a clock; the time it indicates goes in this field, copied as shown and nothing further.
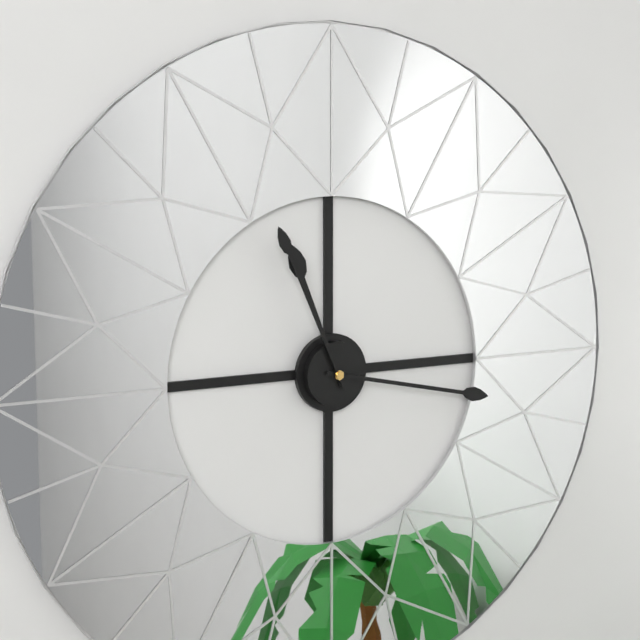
11:17:56
